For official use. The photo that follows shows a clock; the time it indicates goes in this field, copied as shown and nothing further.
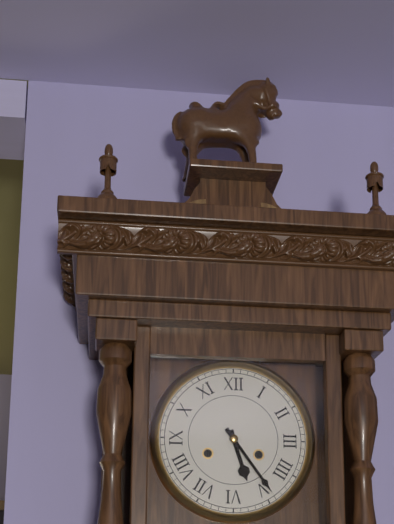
5:24
